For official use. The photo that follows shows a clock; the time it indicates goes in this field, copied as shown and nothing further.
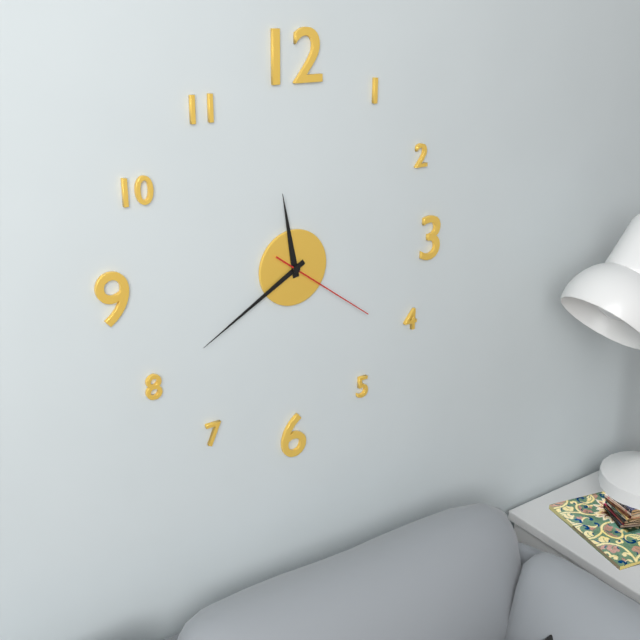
11:40:21
